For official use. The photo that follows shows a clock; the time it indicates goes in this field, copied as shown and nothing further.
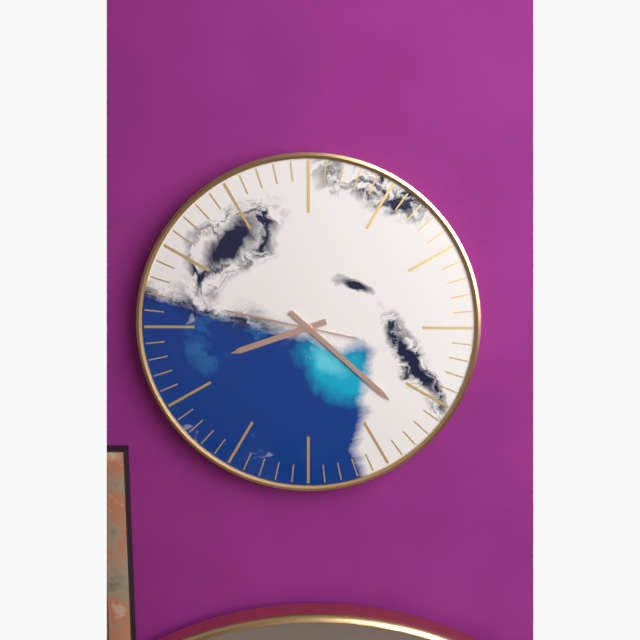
8:22:47
